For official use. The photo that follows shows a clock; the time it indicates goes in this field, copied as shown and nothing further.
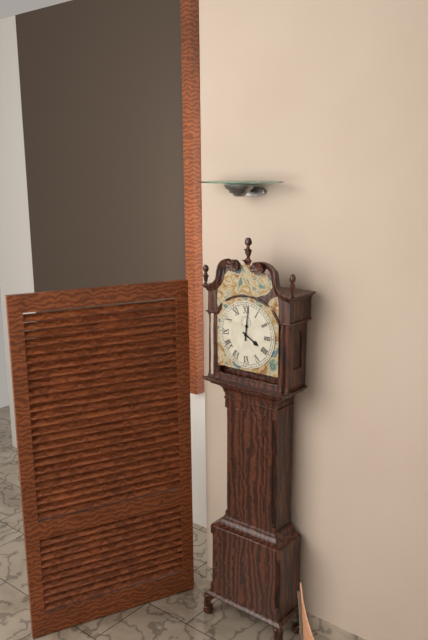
4:01
